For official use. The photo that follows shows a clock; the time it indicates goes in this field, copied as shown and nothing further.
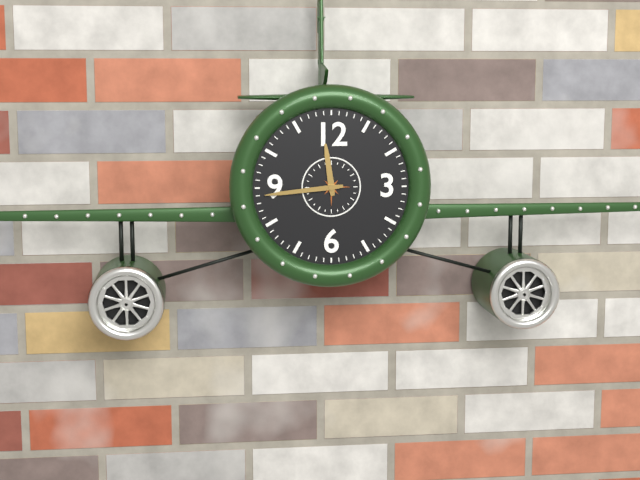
11:44
